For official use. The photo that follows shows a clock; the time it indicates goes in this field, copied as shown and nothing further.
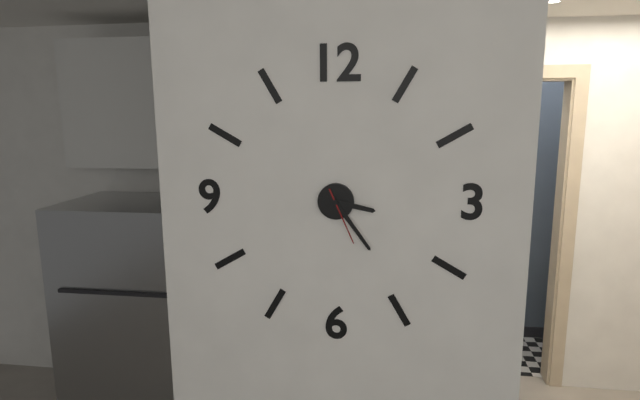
3:24:26
